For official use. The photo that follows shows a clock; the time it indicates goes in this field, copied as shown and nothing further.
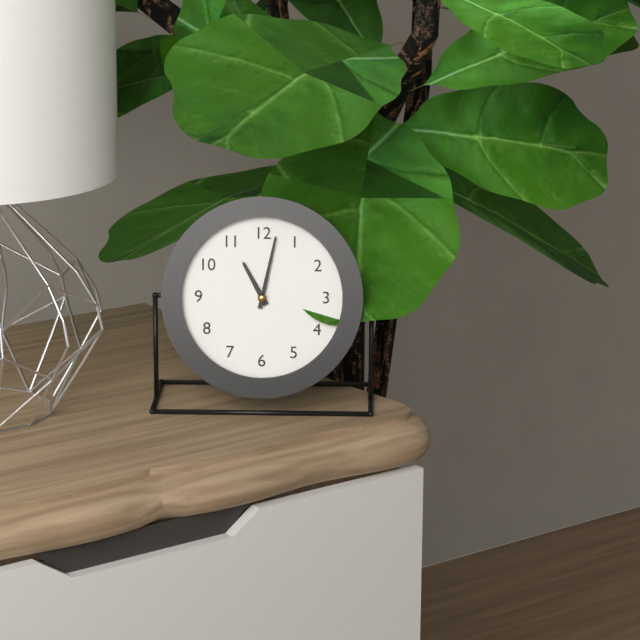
11:02
